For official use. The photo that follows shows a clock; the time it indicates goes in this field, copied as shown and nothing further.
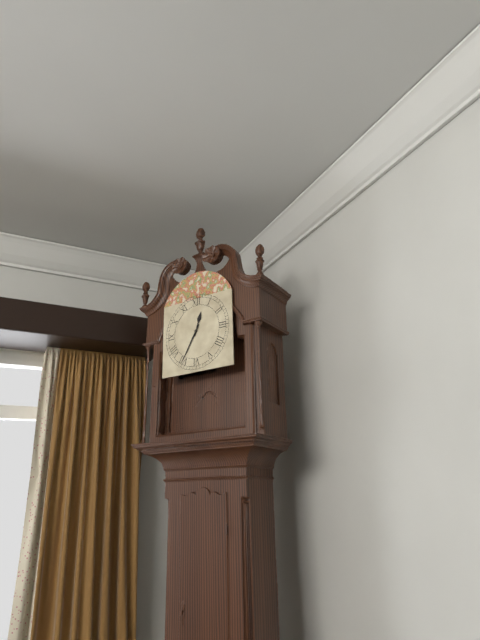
12:35
